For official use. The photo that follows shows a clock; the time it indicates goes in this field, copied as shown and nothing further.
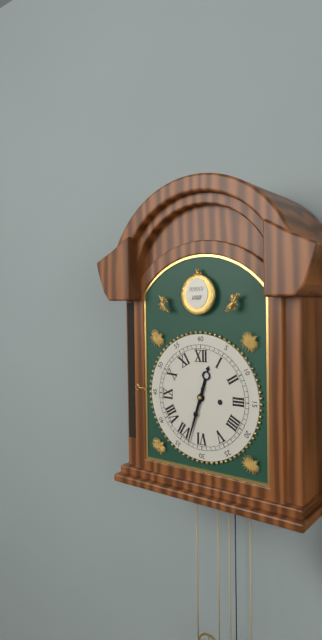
12:33
